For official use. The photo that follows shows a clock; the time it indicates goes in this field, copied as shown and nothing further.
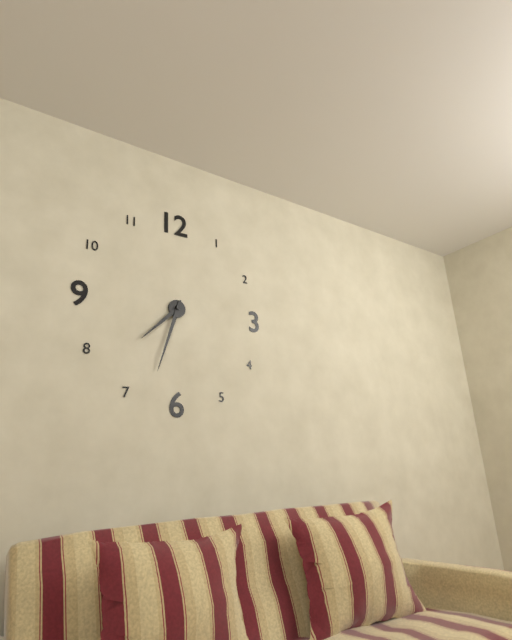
7:33
